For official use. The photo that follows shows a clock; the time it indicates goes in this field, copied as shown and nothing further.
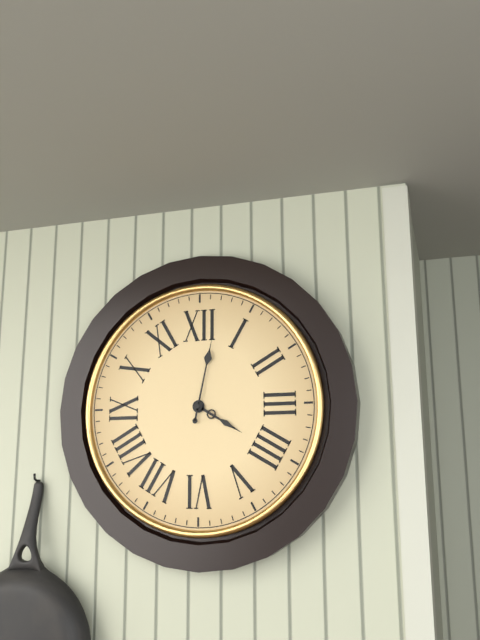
4:02
